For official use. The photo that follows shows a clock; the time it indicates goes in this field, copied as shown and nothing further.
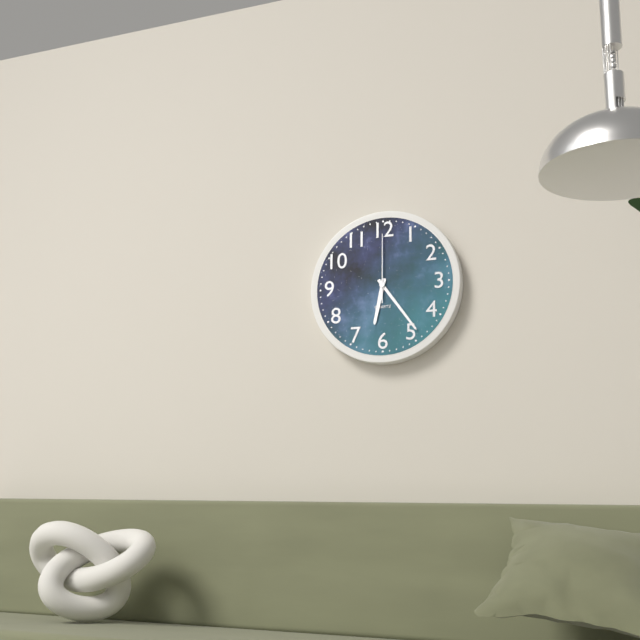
6:24:00
